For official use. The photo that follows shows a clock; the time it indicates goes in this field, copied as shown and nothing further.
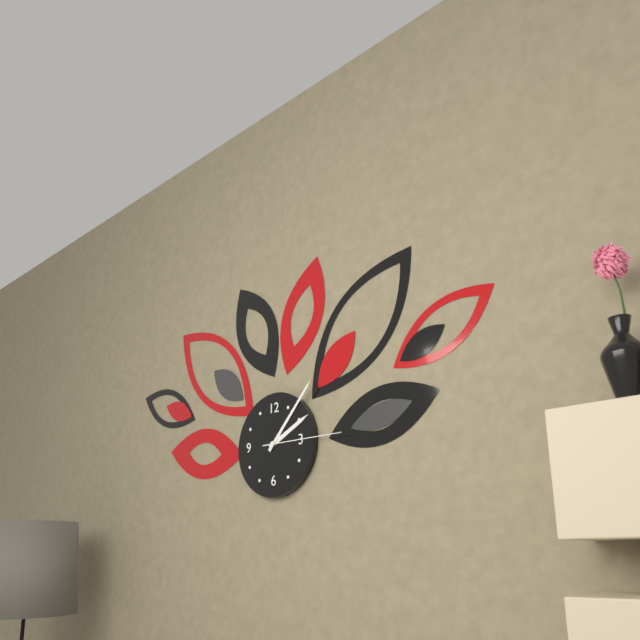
2:07:15
